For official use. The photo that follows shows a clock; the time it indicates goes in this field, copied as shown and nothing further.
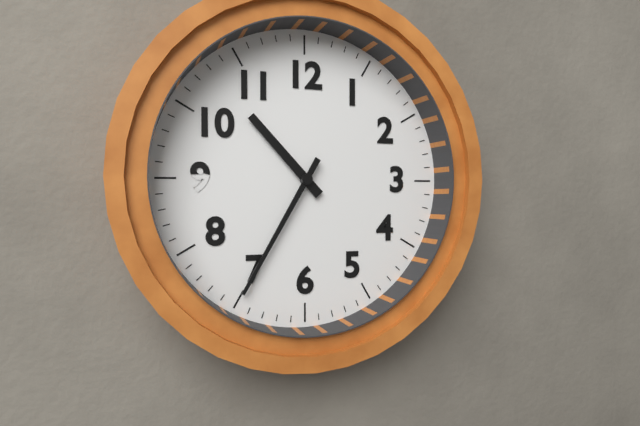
10:35
